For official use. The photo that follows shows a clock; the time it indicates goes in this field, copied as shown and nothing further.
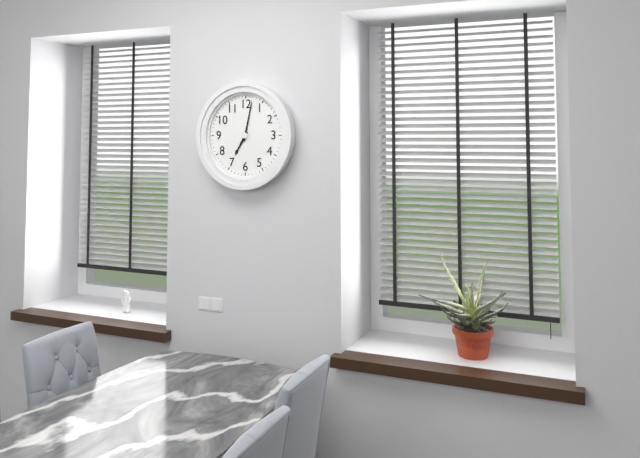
7:02
